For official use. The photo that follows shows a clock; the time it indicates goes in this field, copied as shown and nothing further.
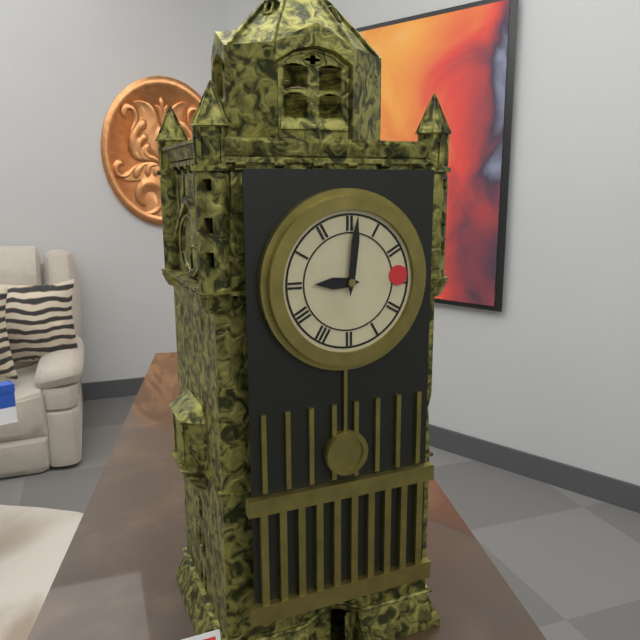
9:01
